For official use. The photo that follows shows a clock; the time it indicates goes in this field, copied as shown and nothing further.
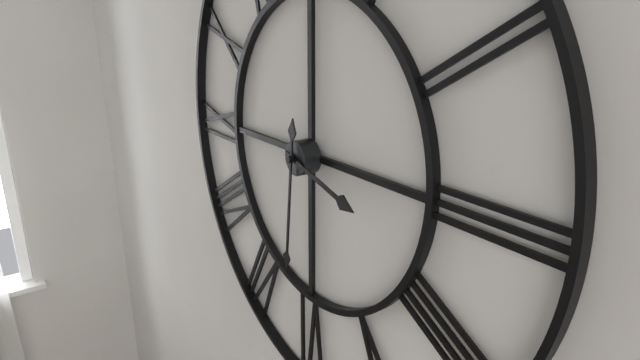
3:31
